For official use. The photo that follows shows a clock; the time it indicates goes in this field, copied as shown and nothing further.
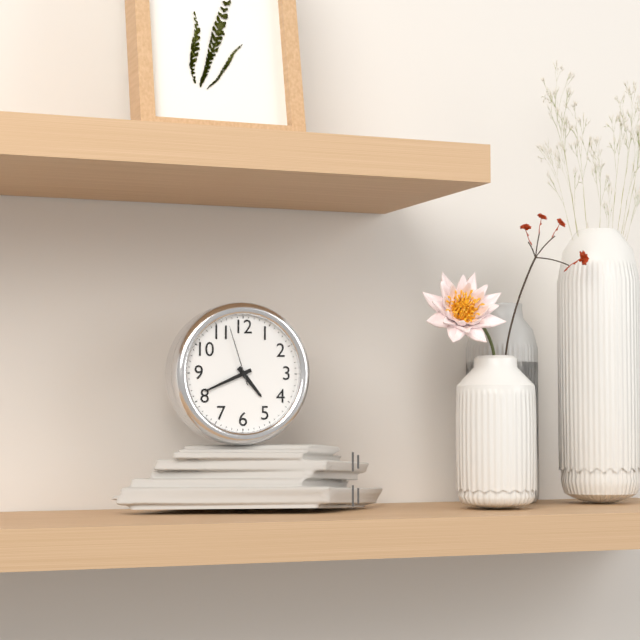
4:41:57
